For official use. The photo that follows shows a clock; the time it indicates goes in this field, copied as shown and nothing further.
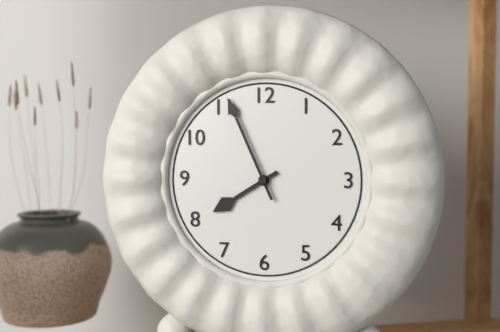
7:56
